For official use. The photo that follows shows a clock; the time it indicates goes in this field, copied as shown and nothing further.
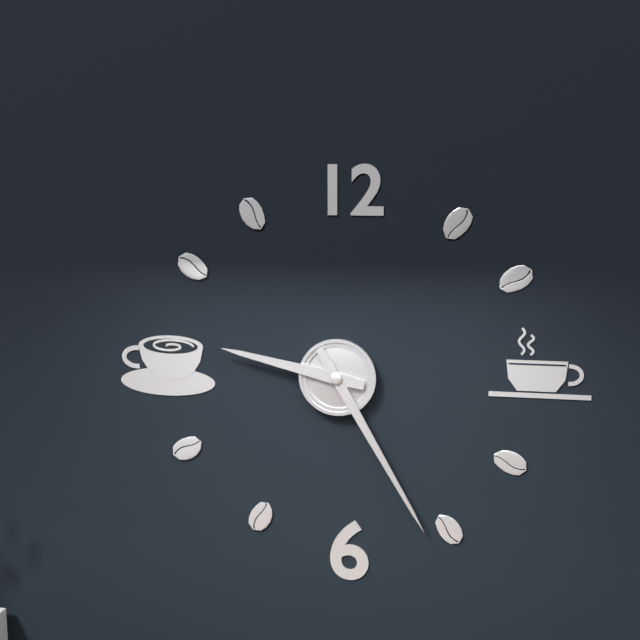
9:25
